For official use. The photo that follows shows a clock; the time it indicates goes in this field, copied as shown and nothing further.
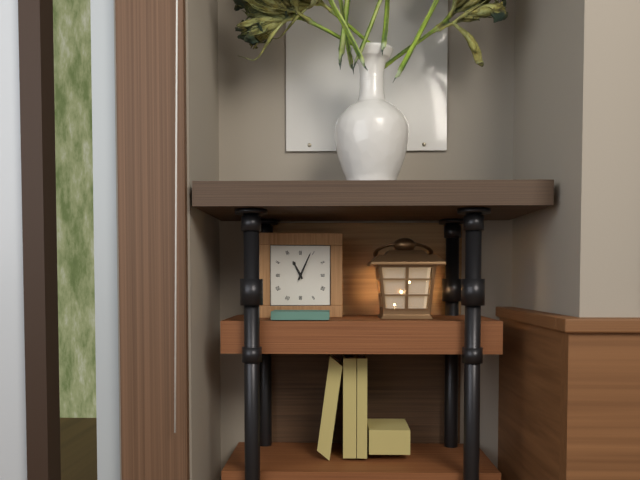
11:04
